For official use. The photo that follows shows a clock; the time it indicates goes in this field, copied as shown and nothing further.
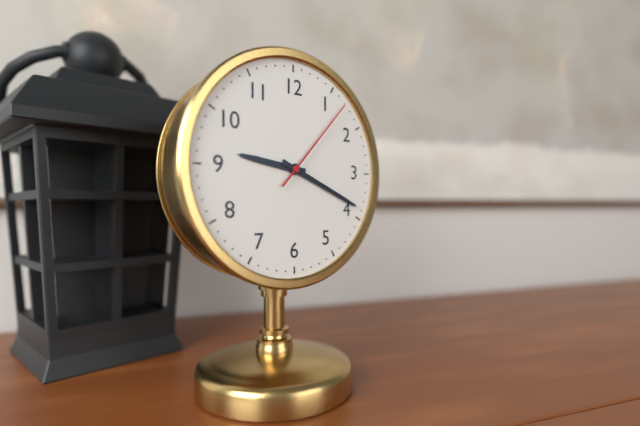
9:19:07
